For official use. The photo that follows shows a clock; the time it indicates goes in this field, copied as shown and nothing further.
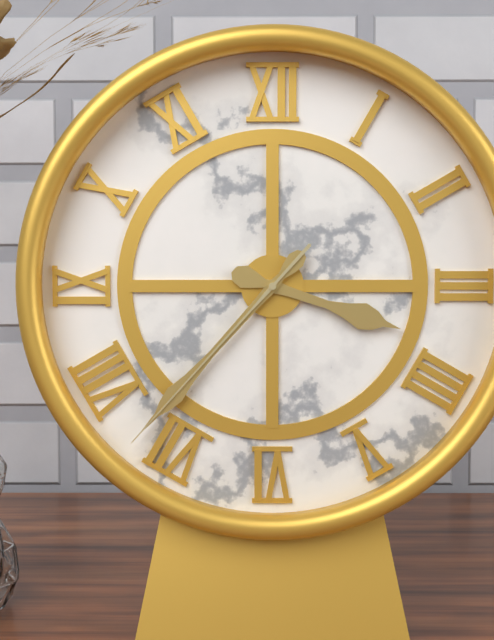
3:37:37
